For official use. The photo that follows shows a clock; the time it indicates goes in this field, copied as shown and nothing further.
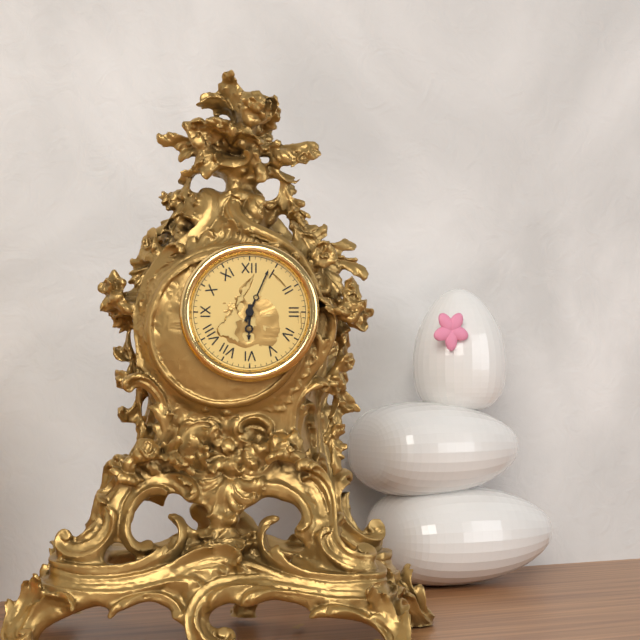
6:04
